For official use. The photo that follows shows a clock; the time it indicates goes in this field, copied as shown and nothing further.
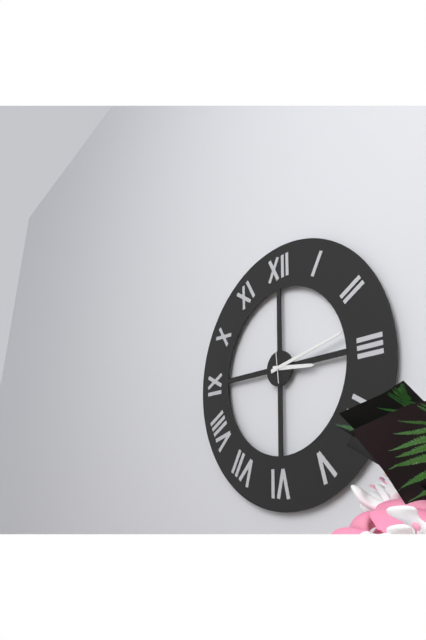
3:13:59
